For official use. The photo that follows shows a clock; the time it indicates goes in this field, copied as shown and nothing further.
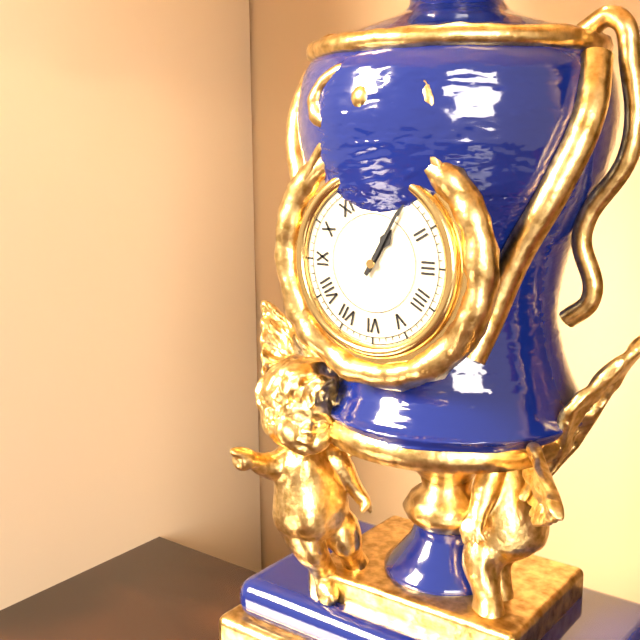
1:05
